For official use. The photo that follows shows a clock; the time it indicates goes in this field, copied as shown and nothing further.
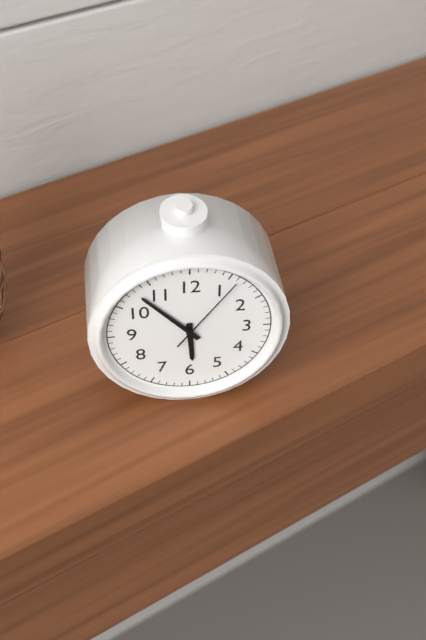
5:53:06
